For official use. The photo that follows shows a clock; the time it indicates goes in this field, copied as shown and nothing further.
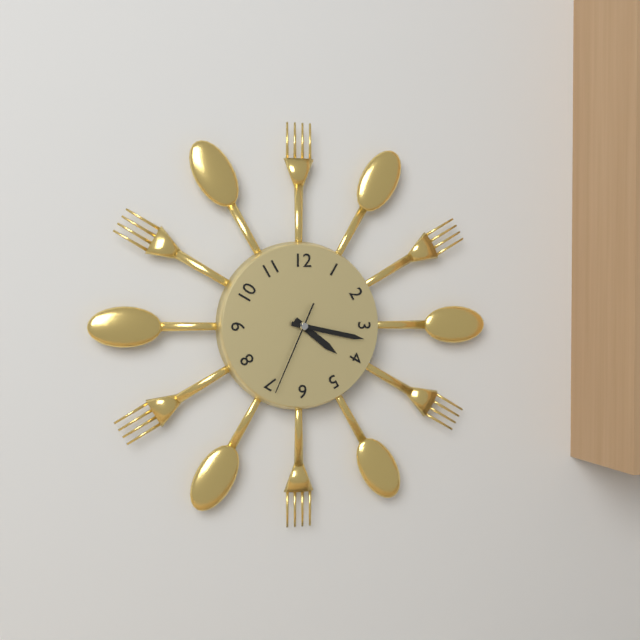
4:17:34
